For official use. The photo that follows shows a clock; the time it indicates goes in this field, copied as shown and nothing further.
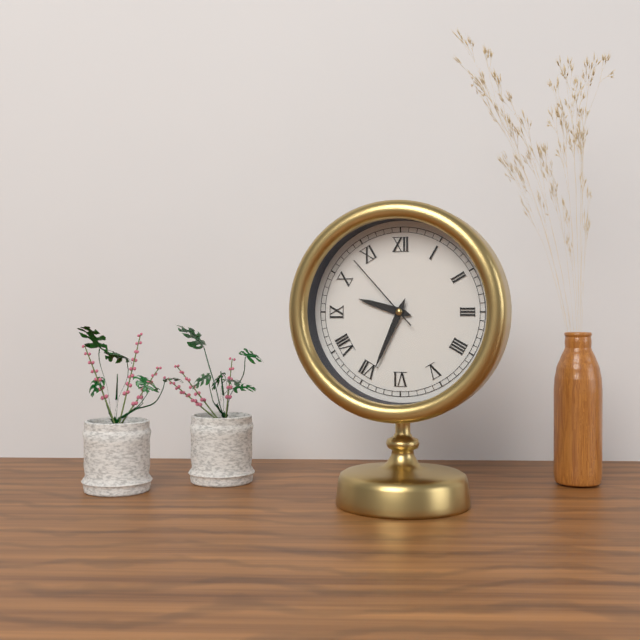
9:34:53
